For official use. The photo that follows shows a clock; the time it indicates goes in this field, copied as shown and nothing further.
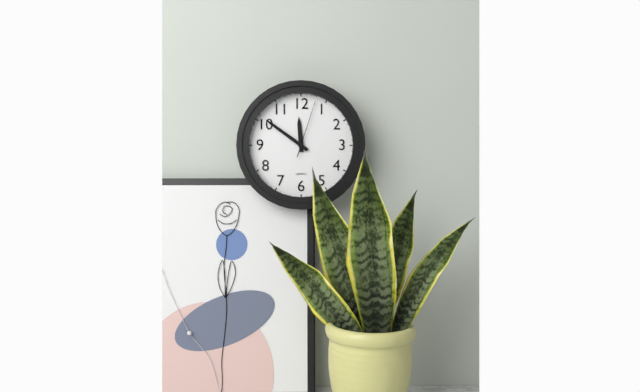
11:51:03
